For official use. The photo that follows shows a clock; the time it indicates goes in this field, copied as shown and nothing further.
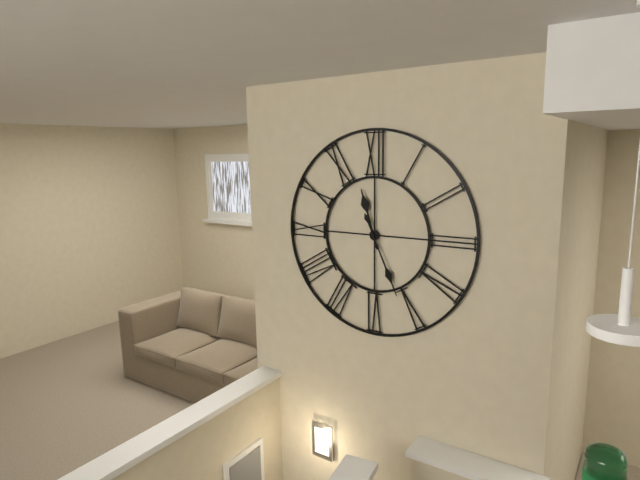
11:26
